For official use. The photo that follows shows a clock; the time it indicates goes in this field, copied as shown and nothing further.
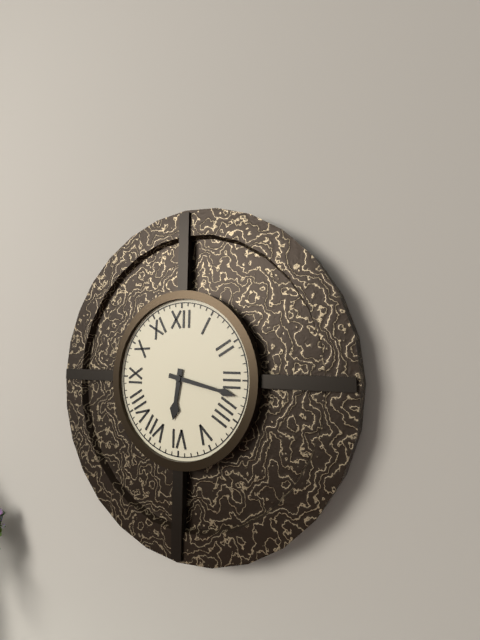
6:17
